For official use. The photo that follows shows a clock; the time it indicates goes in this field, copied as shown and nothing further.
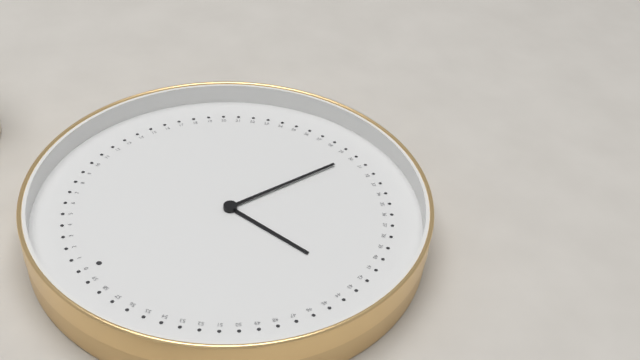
8:30
